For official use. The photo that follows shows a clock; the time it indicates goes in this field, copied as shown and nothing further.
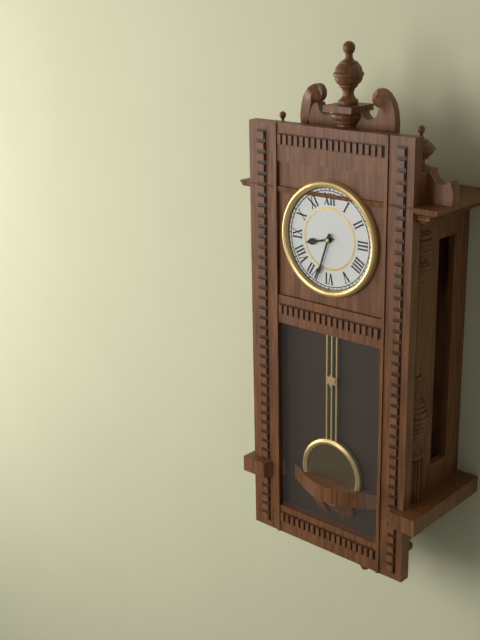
8:33
